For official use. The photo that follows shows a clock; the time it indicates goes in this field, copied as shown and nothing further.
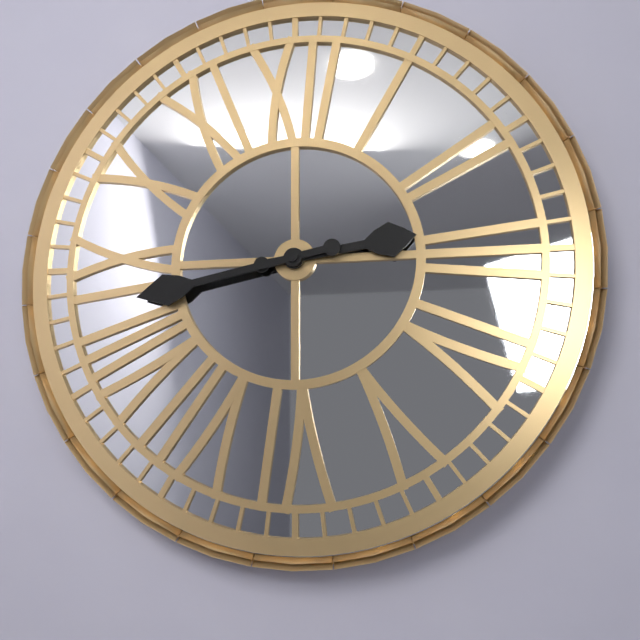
2:43
